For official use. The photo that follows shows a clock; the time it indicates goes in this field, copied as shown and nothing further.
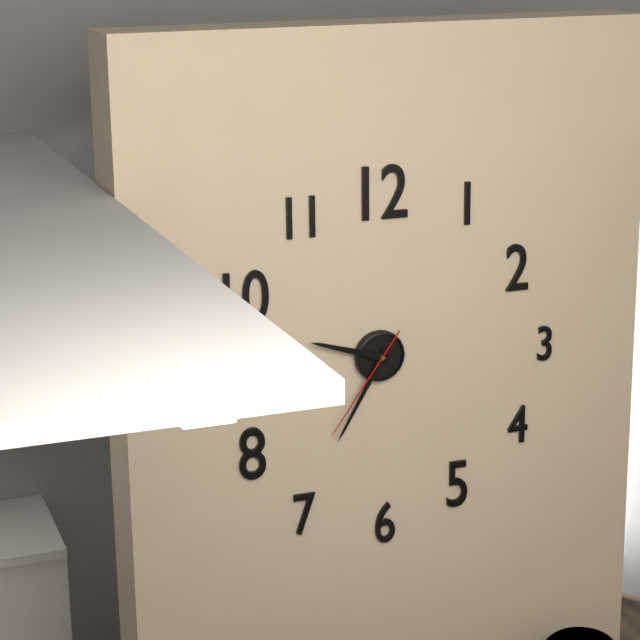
9:35:36
